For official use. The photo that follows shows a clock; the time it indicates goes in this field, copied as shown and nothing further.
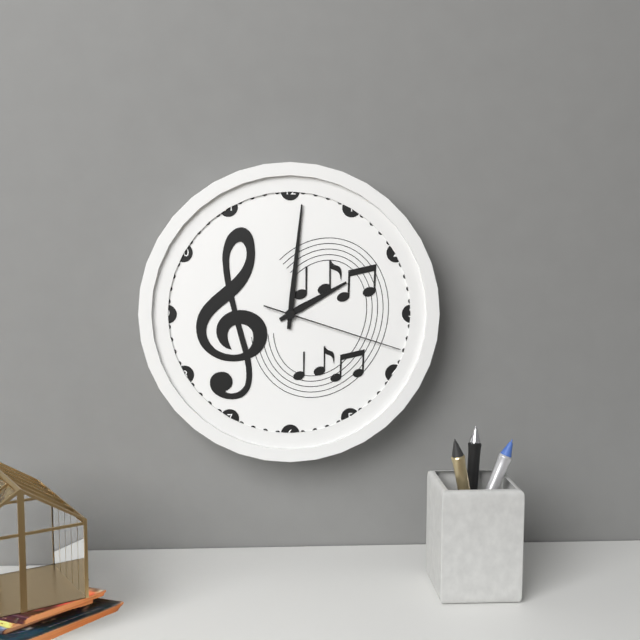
2:01:18
